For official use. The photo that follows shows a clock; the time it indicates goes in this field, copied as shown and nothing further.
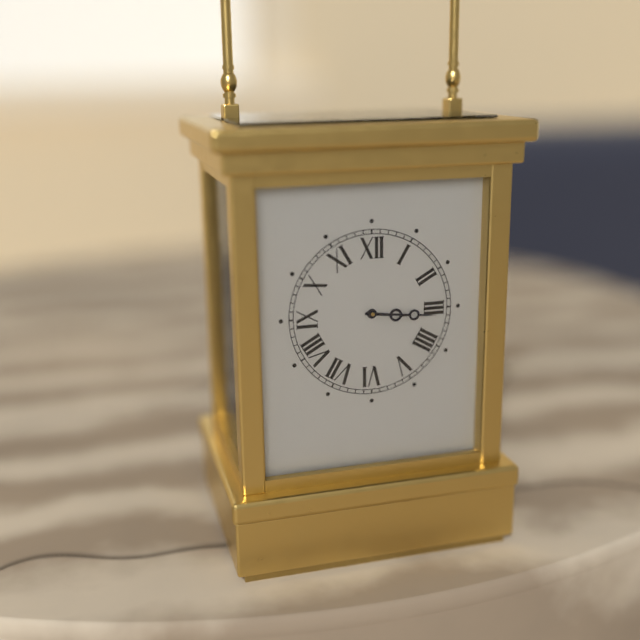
3:16
